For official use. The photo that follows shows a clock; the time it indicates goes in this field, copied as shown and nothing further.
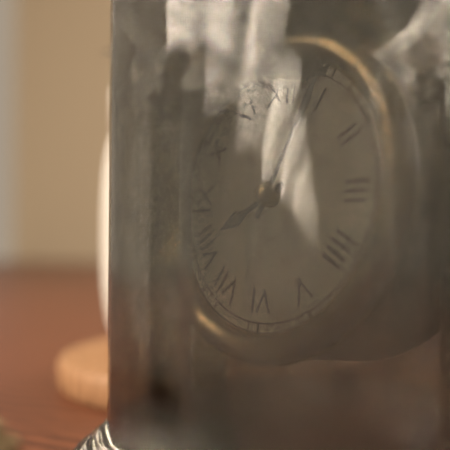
8:04
